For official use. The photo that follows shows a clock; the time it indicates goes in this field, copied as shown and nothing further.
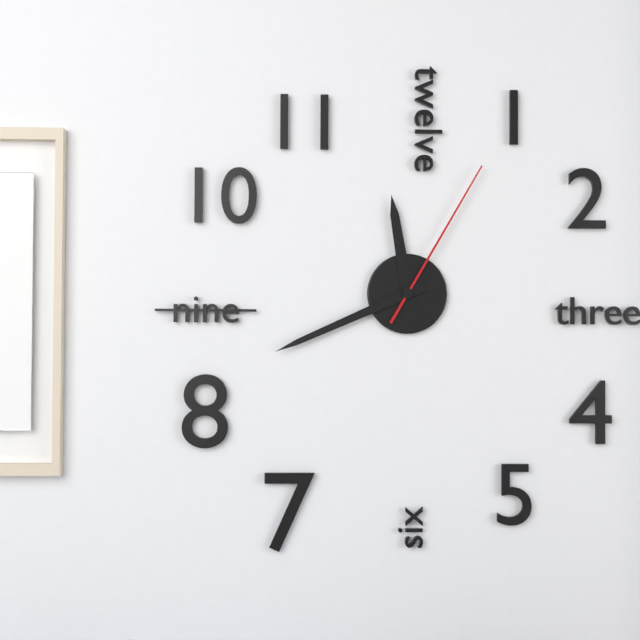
11:41:05
